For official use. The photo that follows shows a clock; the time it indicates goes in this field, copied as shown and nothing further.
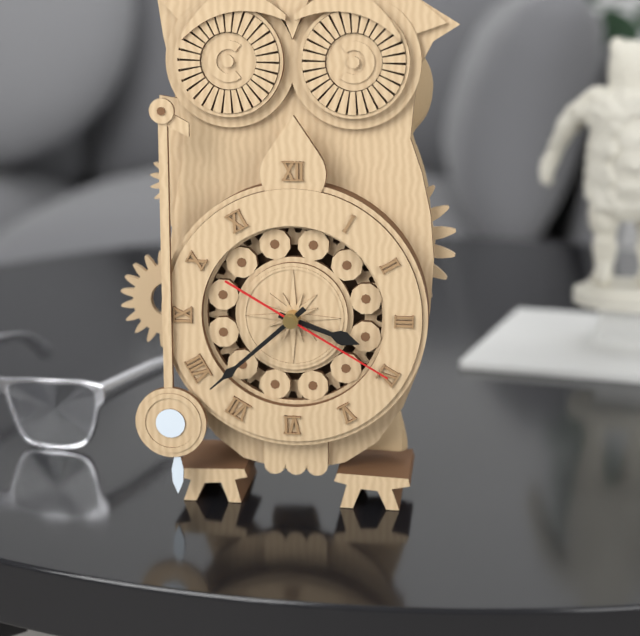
3:38:20
